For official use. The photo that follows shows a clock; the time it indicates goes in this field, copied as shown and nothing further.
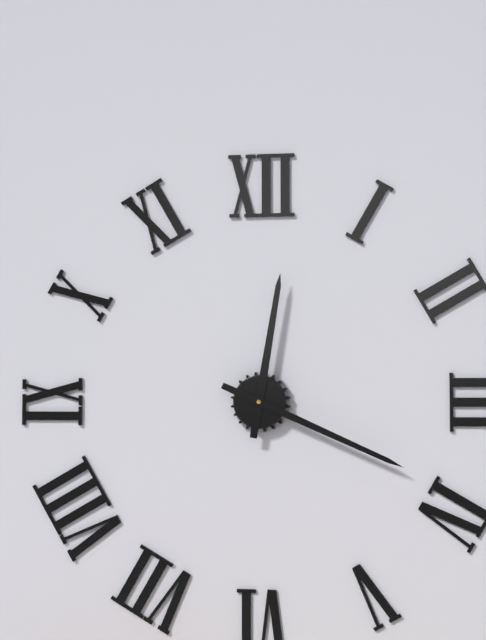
12:19
